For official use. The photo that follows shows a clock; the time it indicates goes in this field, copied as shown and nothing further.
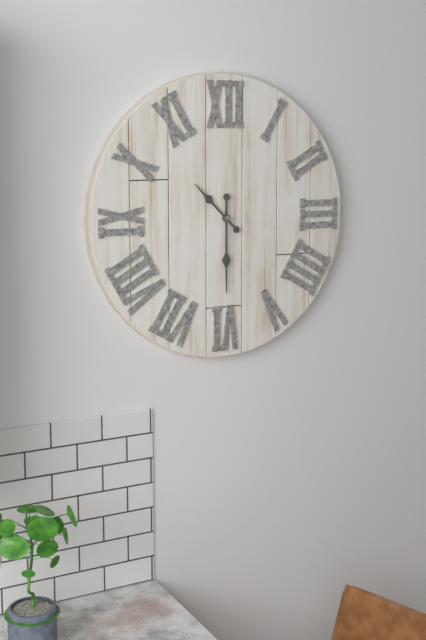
10:30
